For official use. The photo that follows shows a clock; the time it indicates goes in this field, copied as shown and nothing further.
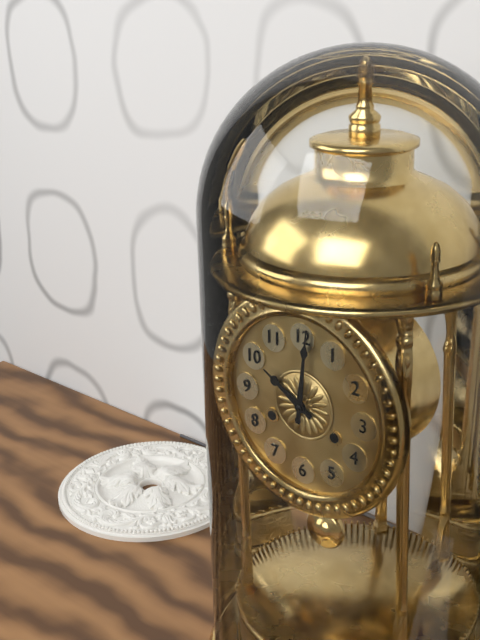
10:01
